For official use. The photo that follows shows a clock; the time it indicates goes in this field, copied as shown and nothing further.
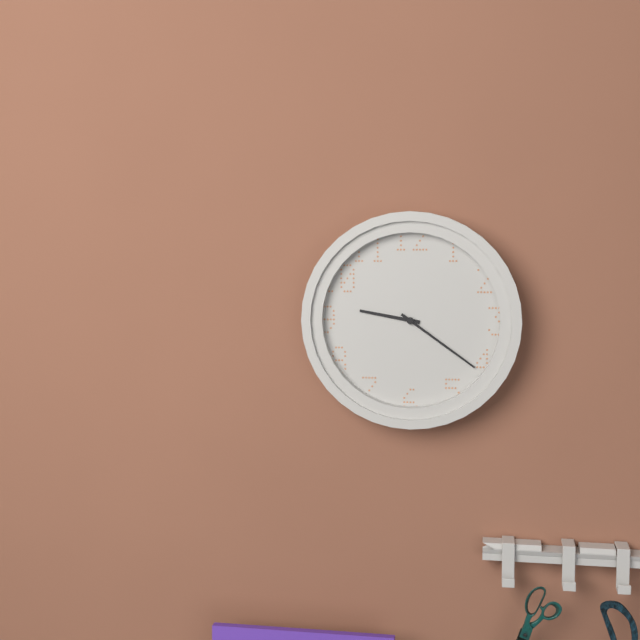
9:21
